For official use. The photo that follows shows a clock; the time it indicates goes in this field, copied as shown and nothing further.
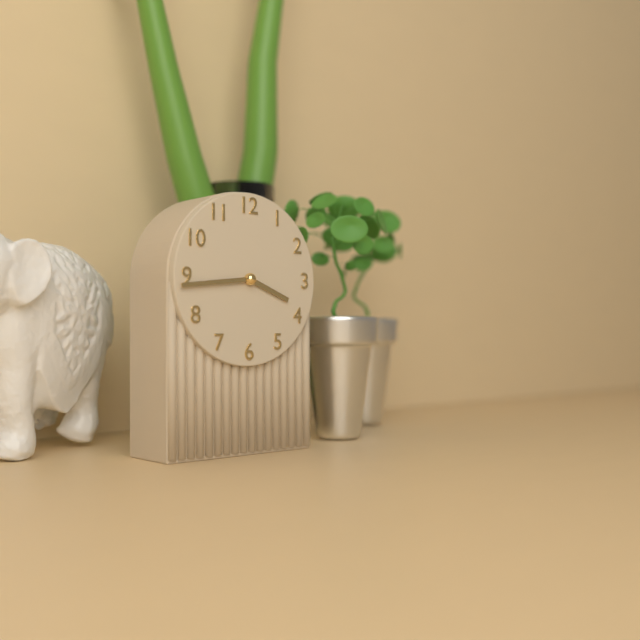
3:44
